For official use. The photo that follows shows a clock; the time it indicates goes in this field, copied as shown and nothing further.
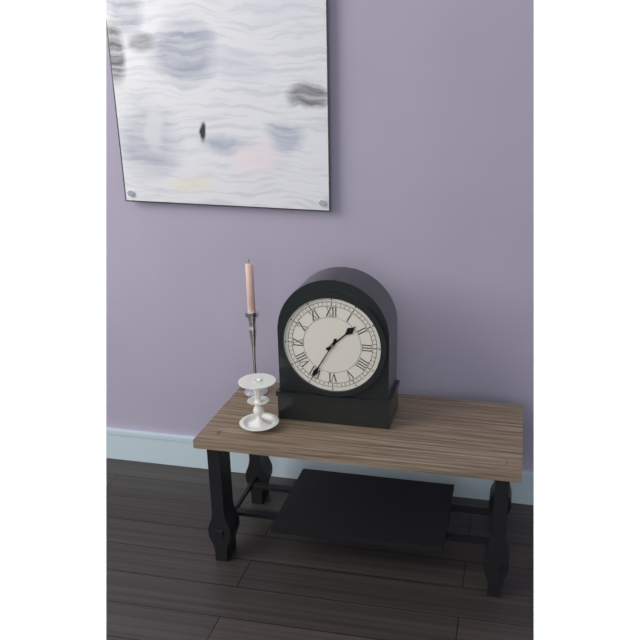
1:35
